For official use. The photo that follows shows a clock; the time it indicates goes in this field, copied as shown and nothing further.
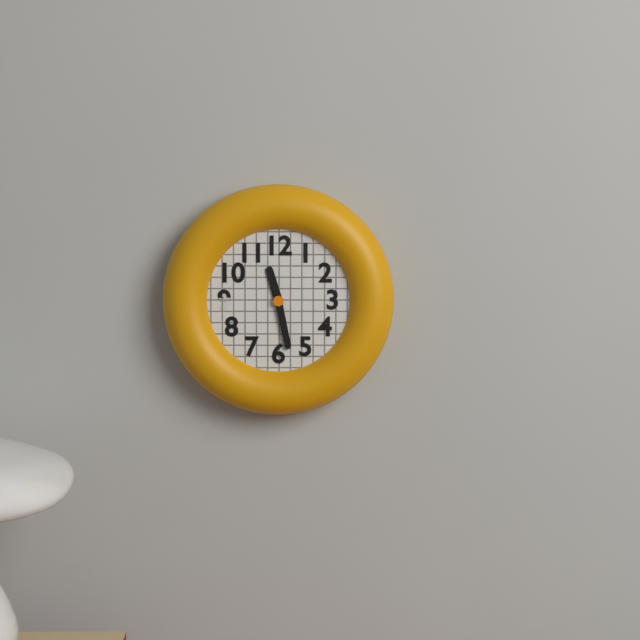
11:28
